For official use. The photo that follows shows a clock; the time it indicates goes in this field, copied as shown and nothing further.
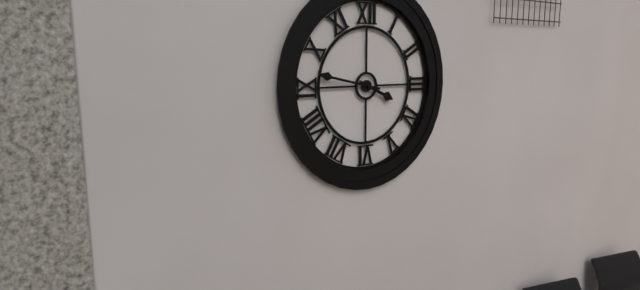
3:47
